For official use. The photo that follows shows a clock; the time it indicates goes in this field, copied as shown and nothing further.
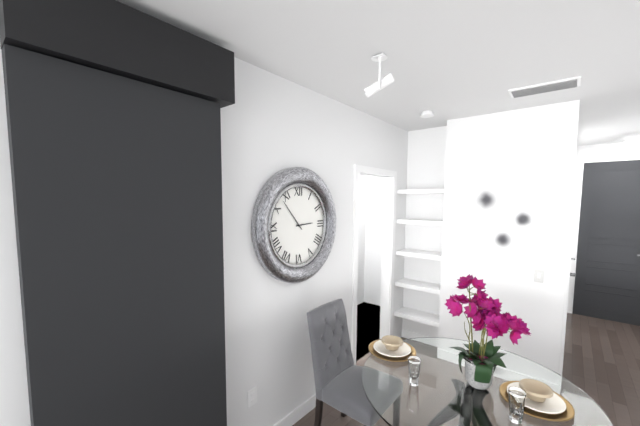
2:53
